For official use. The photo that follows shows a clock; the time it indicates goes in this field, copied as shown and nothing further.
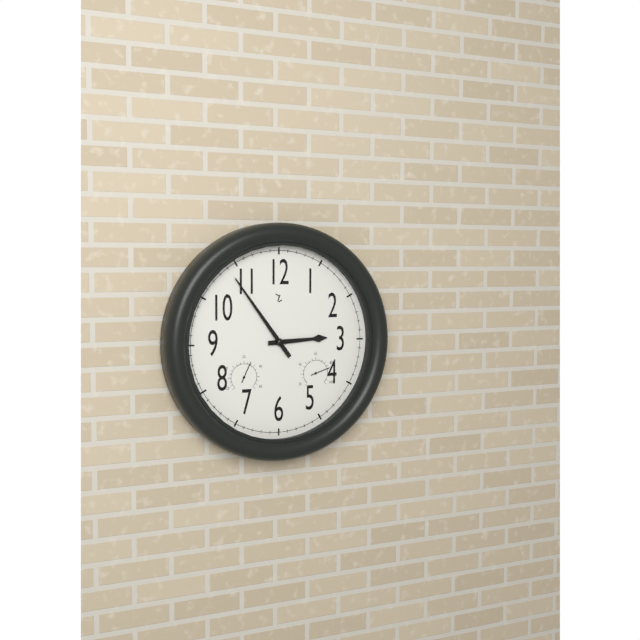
2:54
